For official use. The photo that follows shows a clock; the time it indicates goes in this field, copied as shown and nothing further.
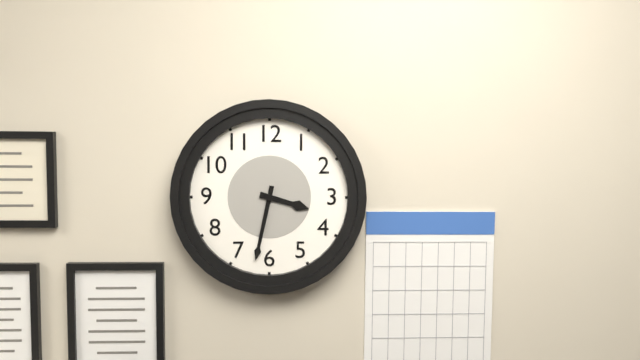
3:32
